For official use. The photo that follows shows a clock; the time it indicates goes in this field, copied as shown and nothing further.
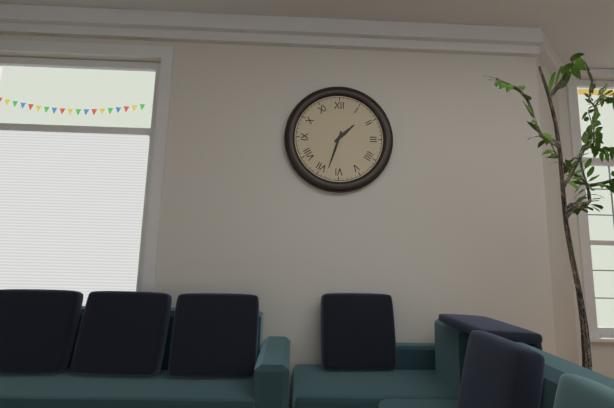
1:33
